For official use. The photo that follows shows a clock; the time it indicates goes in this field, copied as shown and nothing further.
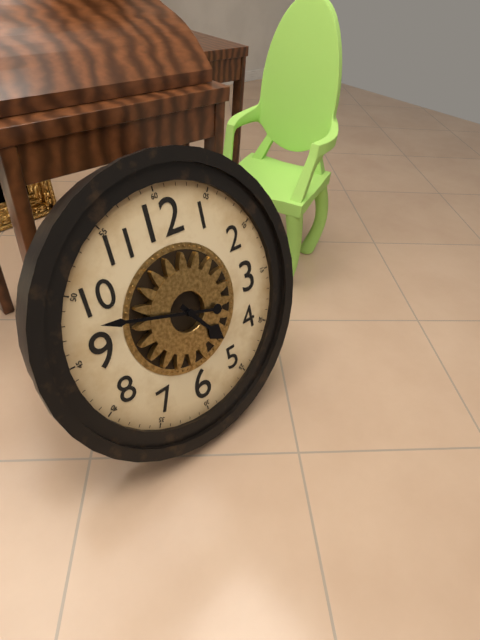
4:48
